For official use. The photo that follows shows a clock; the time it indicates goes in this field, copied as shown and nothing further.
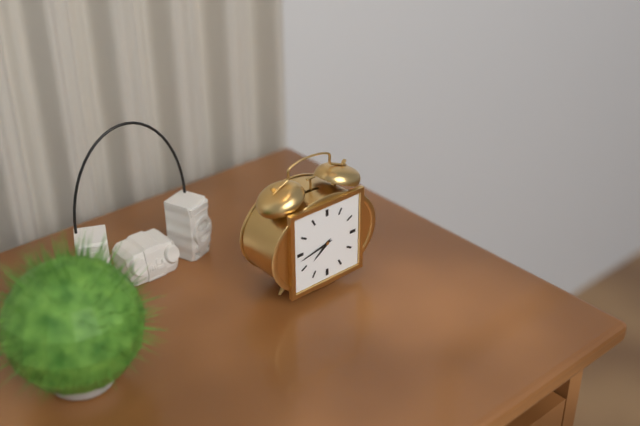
7:43
